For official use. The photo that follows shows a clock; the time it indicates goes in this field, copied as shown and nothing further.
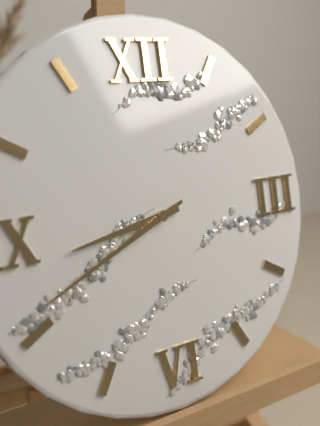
8:41
